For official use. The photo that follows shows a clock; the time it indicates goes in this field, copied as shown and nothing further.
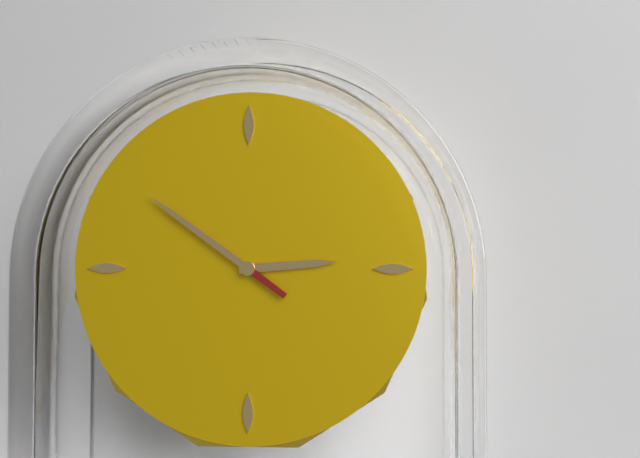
2:51
